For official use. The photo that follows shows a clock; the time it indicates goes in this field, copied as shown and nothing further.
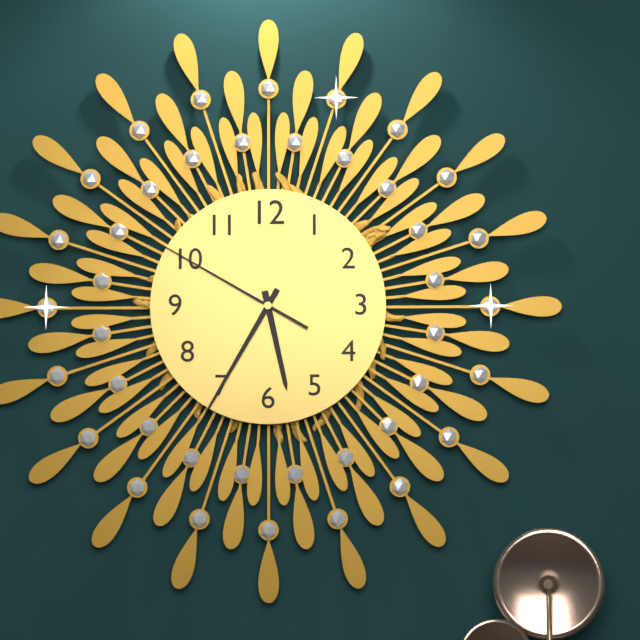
5:35:50
